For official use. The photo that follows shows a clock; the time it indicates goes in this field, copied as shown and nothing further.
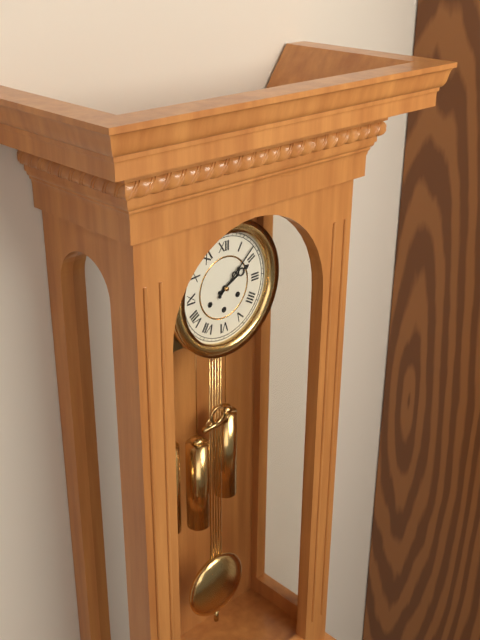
2:08
